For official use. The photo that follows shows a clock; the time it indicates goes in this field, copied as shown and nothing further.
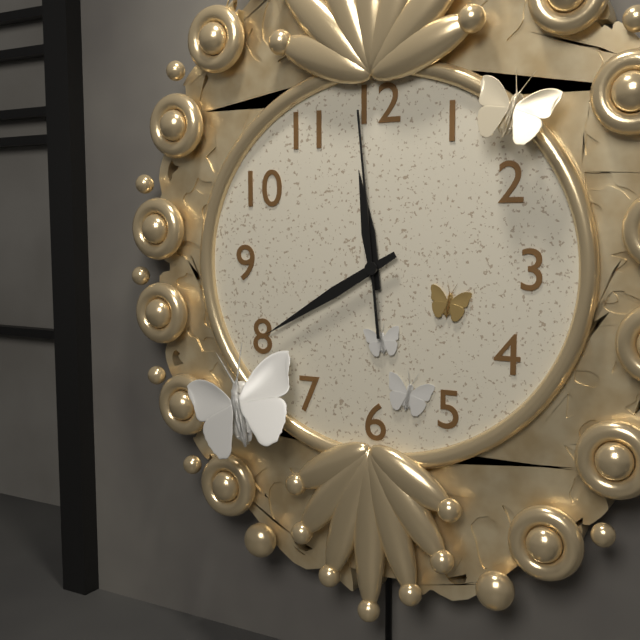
11:40:59
